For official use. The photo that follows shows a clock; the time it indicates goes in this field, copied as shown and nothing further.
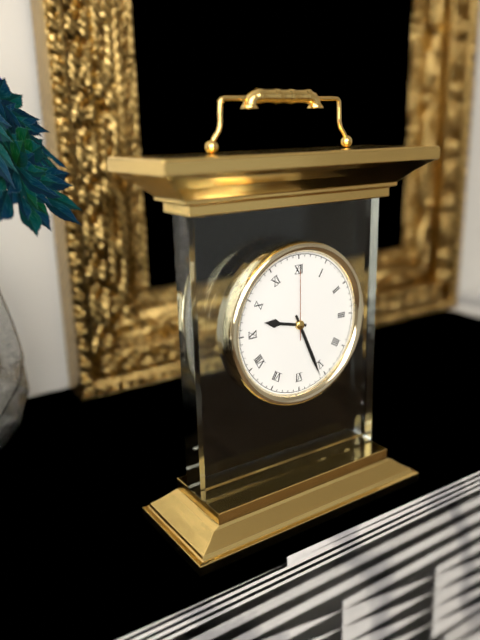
9:26:00
